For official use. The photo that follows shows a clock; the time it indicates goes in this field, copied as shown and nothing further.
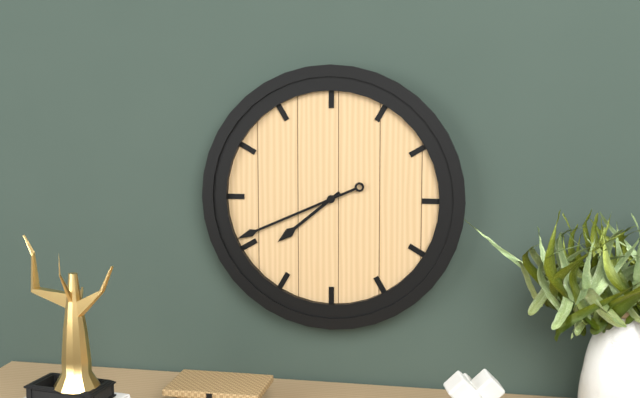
7:41
